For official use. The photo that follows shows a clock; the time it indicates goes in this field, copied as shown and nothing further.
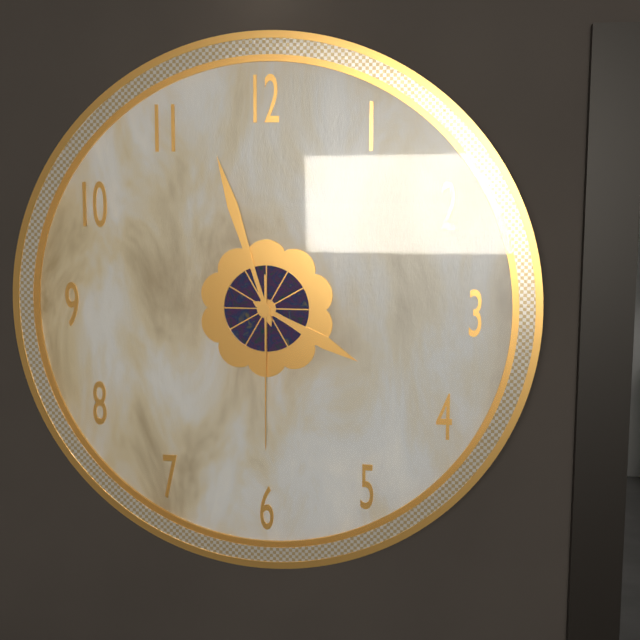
3:57:30
